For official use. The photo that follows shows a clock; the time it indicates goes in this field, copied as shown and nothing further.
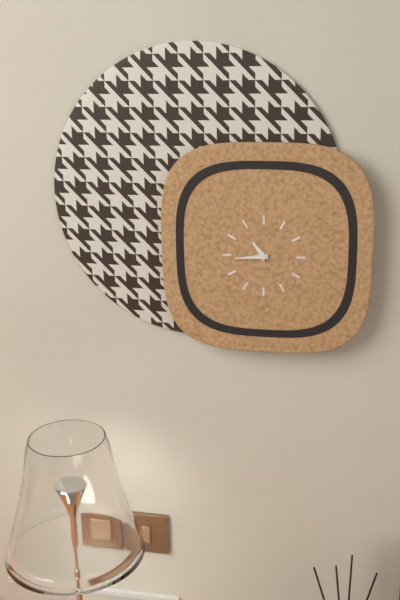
10:44
